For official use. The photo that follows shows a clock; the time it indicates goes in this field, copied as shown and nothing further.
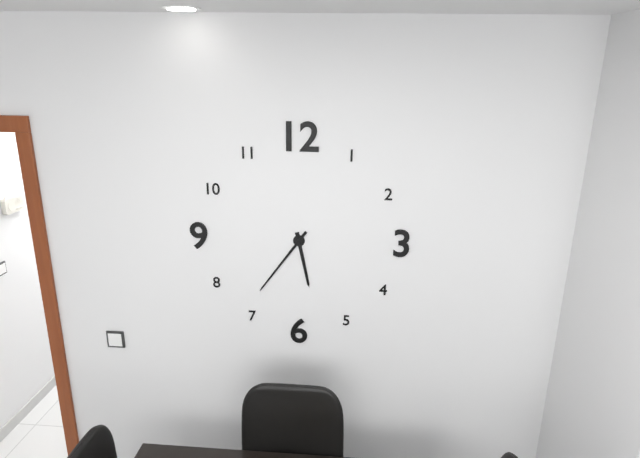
5:36
